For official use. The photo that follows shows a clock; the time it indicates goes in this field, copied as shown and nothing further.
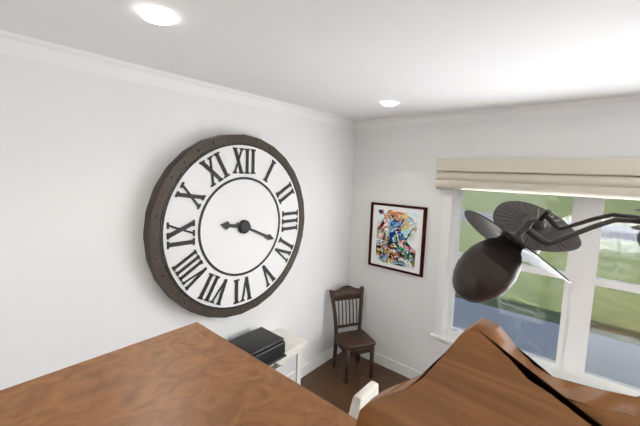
9:19
